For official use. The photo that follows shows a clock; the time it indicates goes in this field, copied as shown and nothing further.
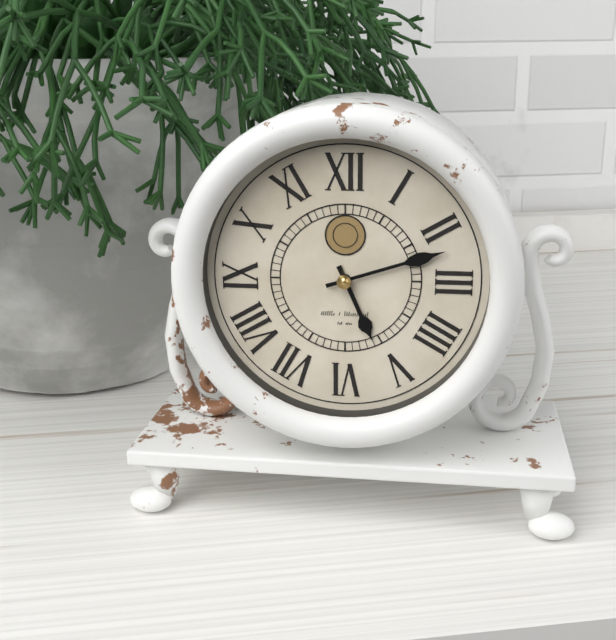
5:12
